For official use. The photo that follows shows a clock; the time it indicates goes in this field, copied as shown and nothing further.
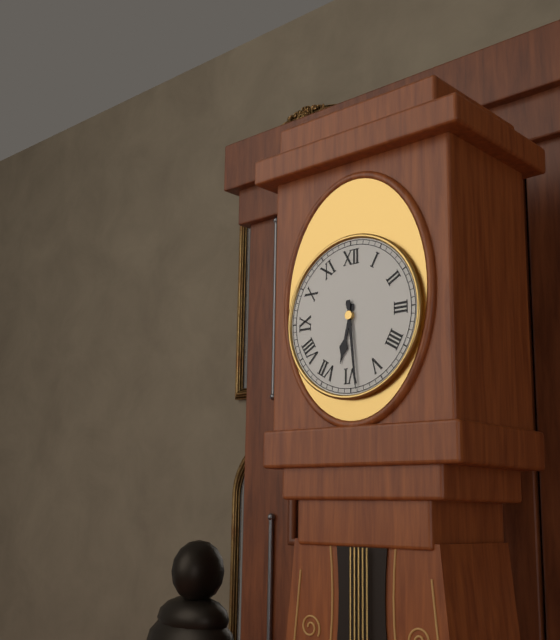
6:29
